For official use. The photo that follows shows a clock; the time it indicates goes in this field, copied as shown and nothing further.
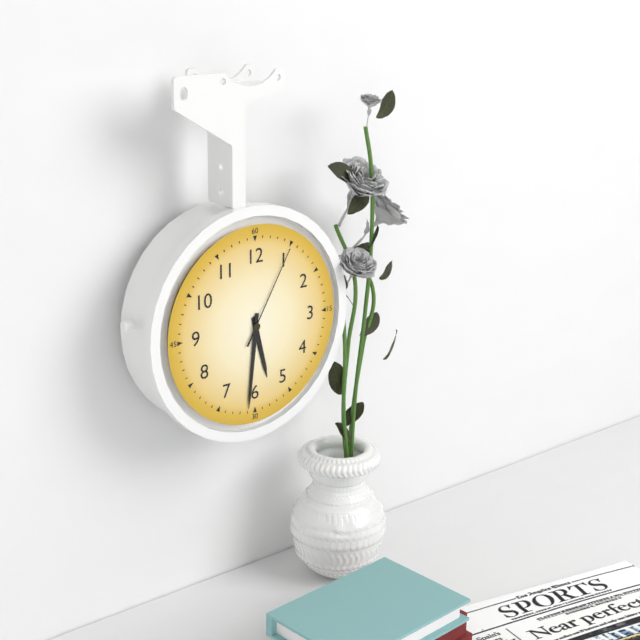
5:31:05
